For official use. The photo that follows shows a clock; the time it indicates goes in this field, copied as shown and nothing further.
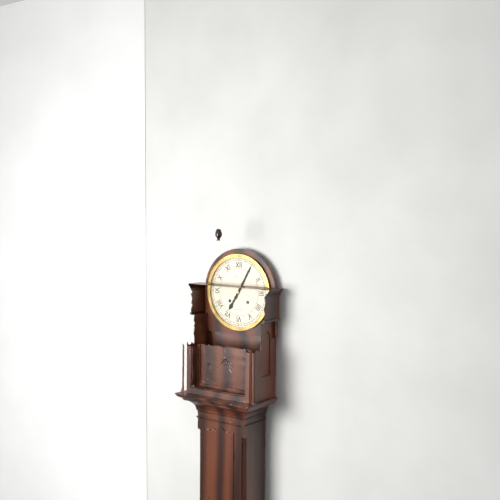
7:05
